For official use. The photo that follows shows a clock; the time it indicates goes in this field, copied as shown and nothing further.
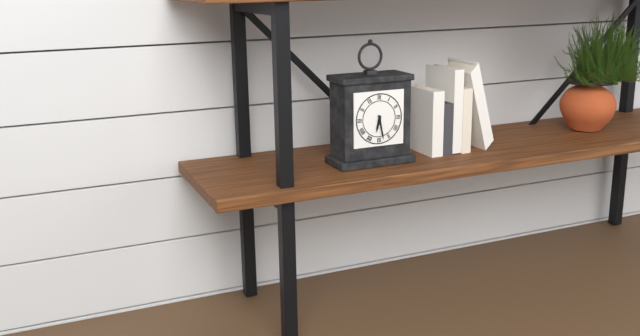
6:28
